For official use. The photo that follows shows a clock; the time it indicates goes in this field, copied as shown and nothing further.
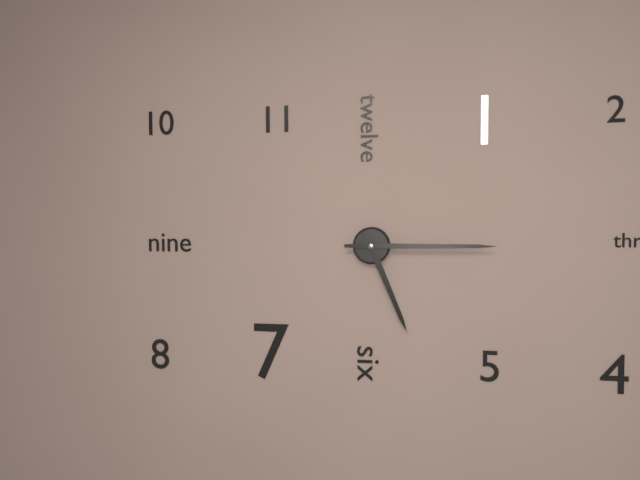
5:15
